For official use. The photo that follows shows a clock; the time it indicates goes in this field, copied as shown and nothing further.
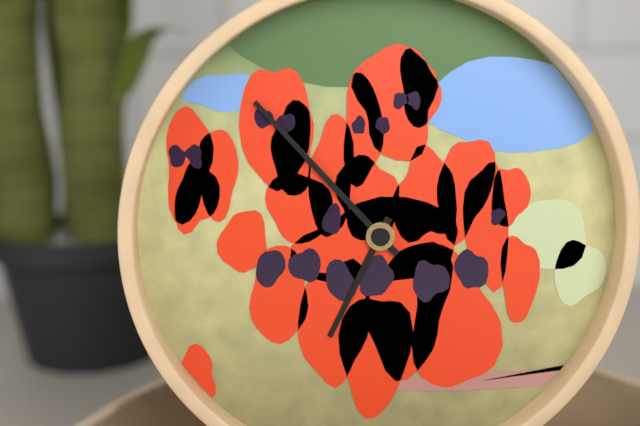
6:53
